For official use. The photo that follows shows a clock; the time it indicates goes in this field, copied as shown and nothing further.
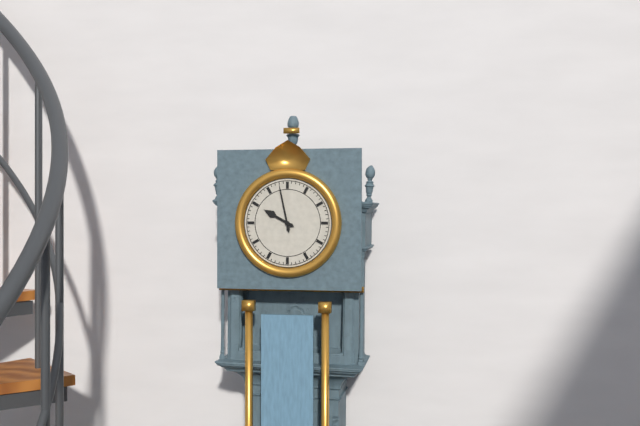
9:58
